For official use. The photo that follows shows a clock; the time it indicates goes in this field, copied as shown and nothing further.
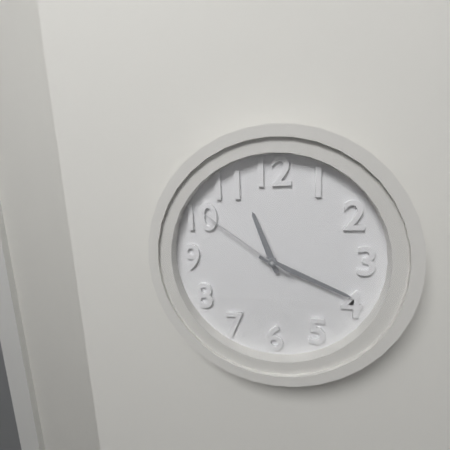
11:19:51
